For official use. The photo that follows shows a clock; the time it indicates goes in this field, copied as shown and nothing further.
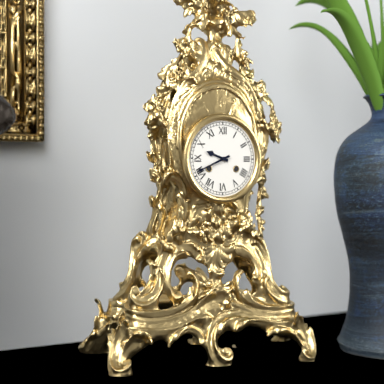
9:41
